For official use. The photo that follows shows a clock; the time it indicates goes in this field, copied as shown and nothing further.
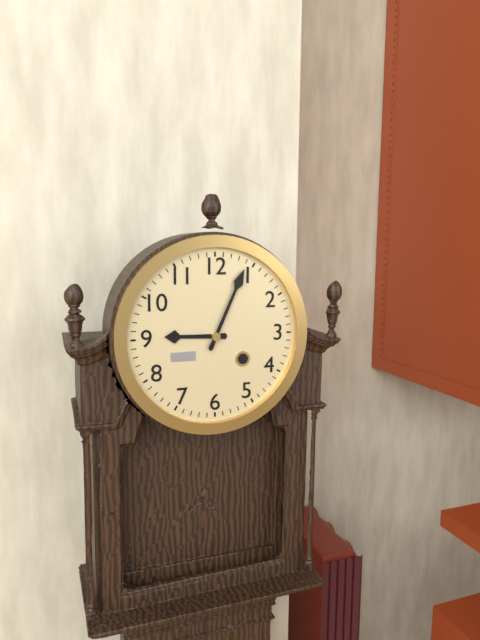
9:04
